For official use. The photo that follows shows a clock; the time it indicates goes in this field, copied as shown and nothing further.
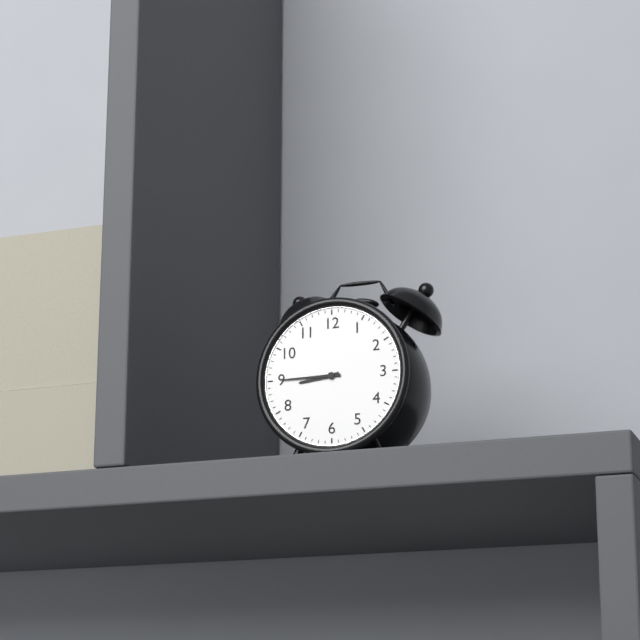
8:45
